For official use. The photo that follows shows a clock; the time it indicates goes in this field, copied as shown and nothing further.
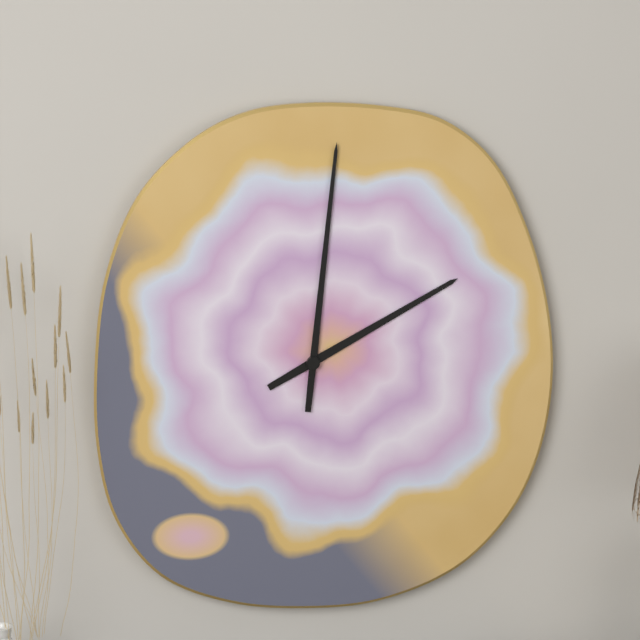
2:01
